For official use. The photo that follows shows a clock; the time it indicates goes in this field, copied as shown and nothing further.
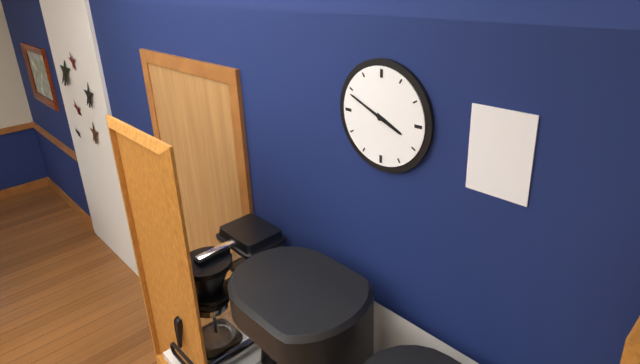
3:49
